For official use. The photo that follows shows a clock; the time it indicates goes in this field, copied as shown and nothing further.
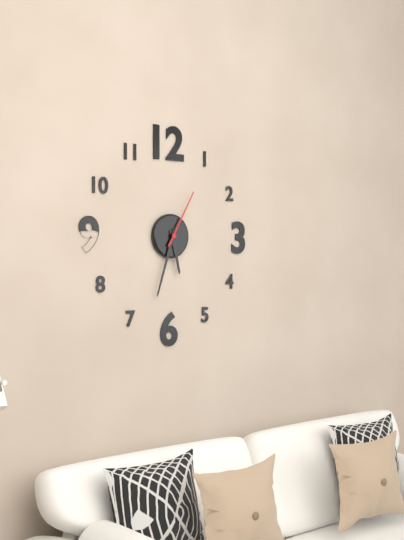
5:33:05
